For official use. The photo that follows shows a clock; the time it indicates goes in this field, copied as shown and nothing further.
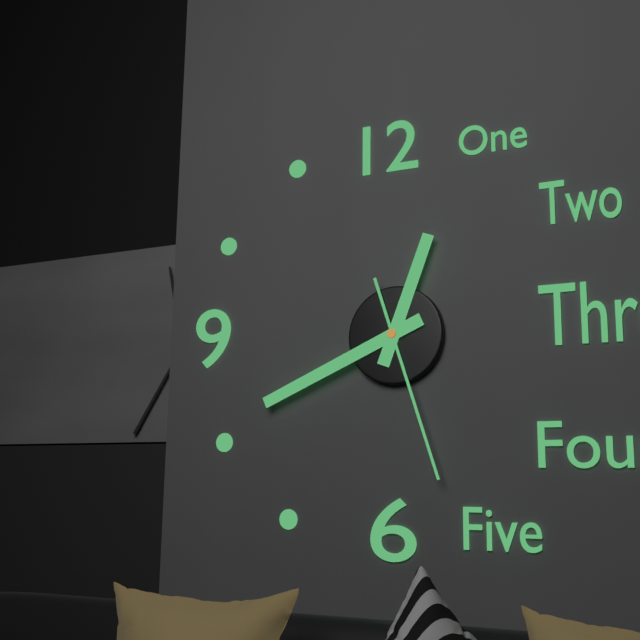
12:41:27
